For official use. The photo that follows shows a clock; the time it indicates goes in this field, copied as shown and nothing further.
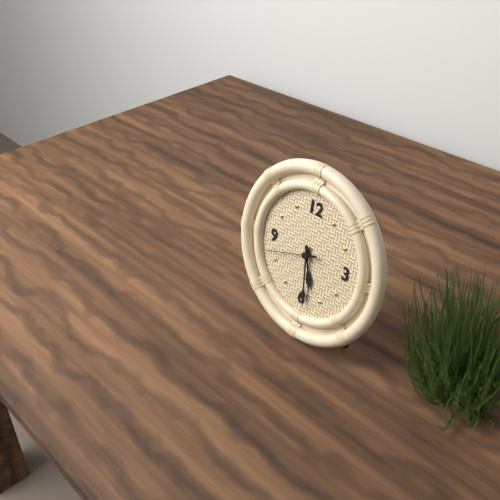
5:29:42
